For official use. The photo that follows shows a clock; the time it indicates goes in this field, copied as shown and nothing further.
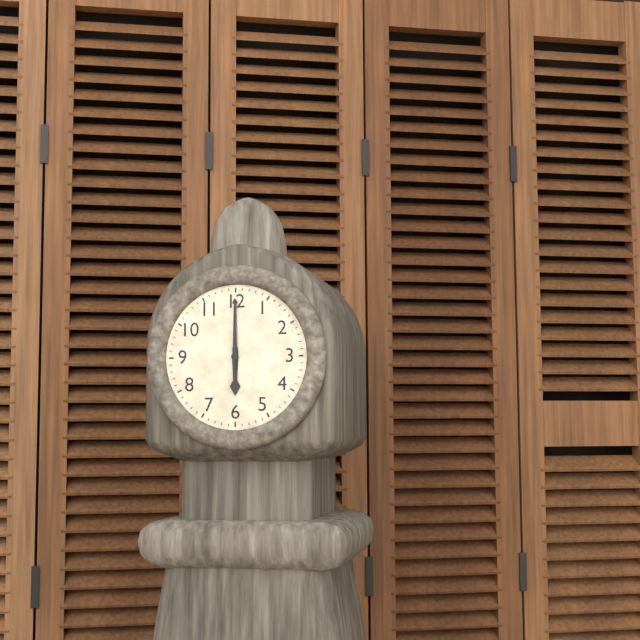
6:00
